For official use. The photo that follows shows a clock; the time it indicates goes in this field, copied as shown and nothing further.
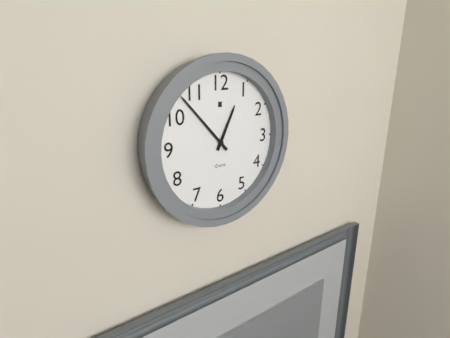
12:53
